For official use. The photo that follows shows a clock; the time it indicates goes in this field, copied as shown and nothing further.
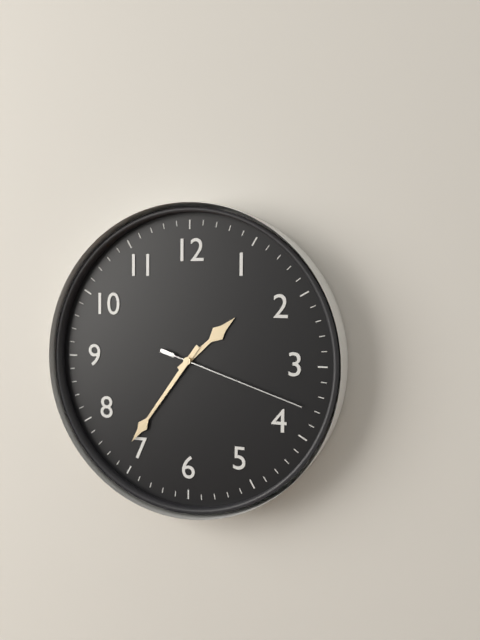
1:36:18
